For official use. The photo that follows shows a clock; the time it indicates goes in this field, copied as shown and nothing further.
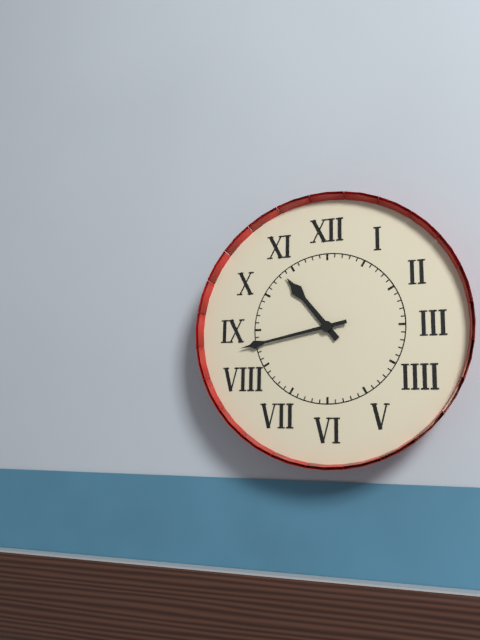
10:43
